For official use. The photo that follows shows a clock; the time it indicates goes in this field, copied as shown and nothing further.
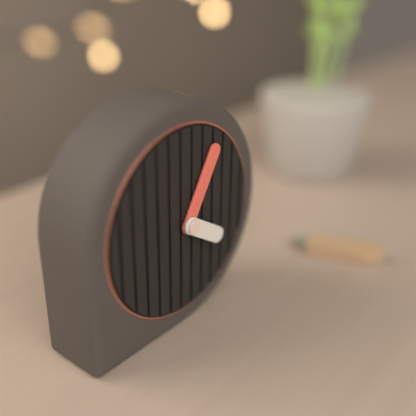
4:05
